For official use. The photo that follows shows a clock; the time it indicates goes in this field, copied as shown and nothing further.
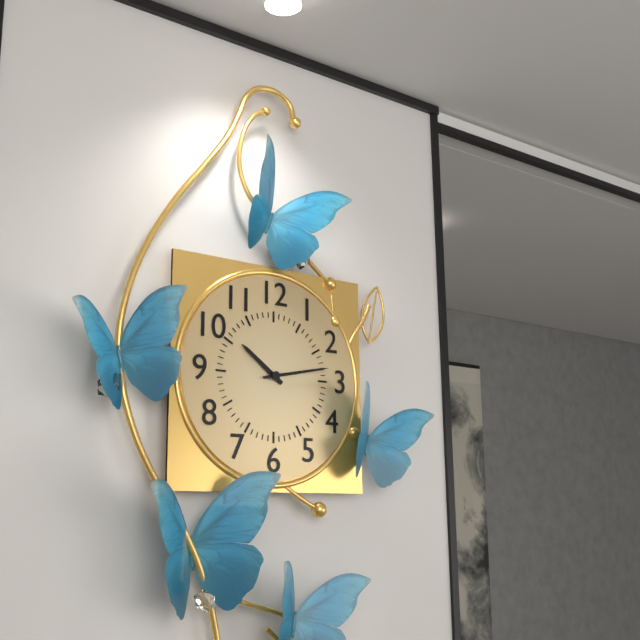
10:13
